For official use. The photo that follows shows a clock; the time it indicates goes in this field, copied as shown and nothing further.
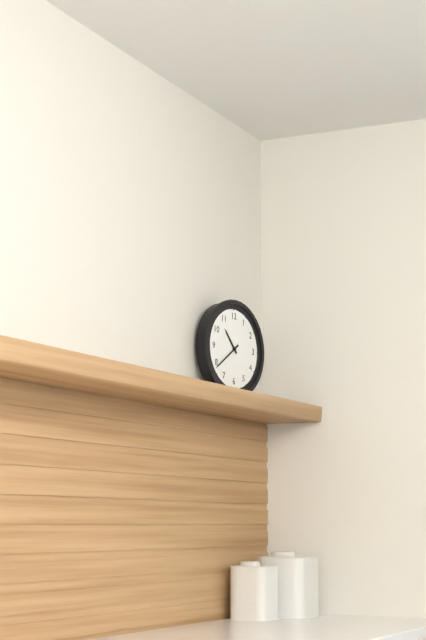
10:39
